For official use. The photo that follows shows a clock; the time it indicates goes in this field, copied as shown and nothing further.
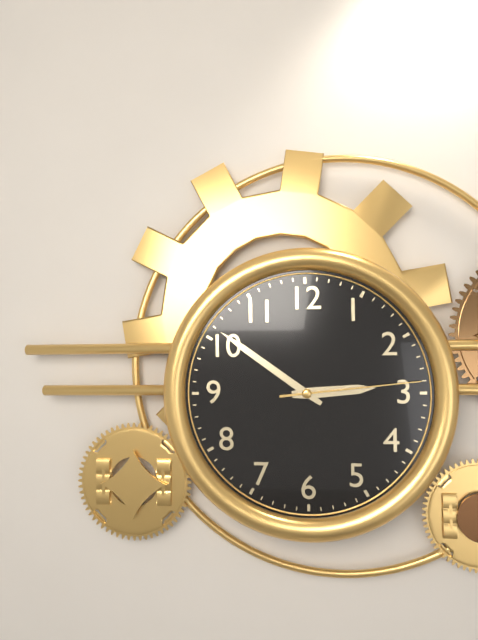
2:51:14
